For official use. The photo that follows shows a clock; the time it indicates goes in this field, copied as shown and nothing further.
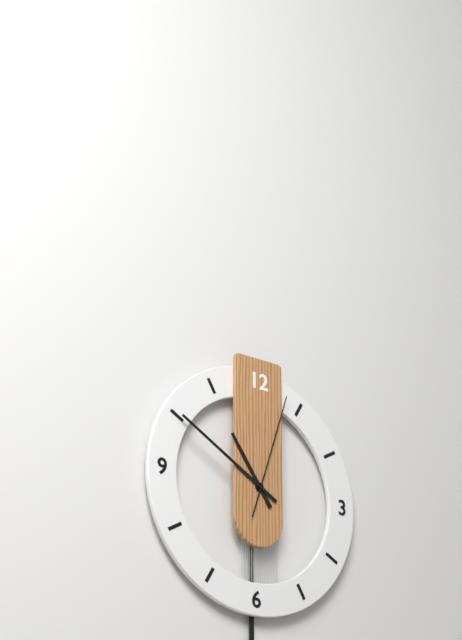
10:50:03
